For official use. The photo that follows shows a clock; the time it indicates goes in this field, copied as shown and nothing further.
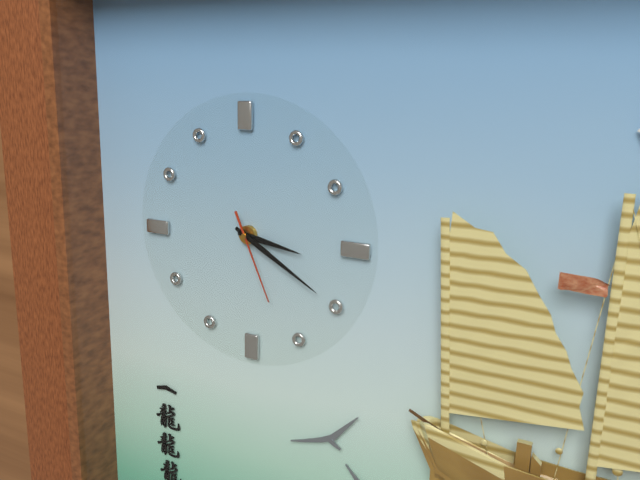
3:20:26
